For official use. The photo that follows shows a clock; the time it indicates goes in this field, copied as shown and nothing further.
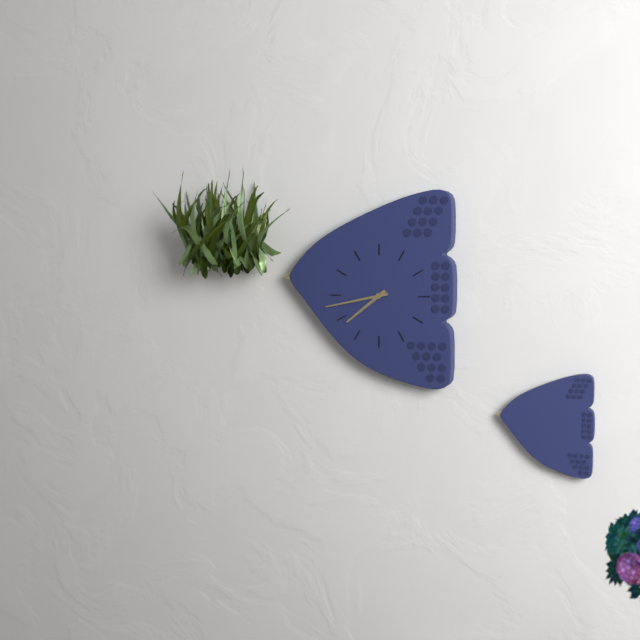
7:43
